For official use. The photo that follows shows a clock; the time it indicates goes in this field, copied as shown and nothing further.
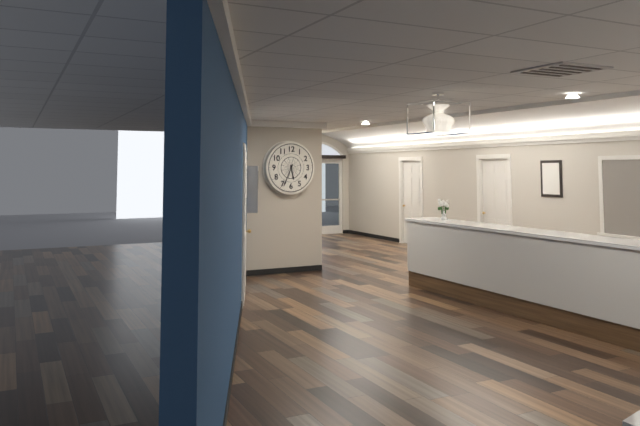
5:34
